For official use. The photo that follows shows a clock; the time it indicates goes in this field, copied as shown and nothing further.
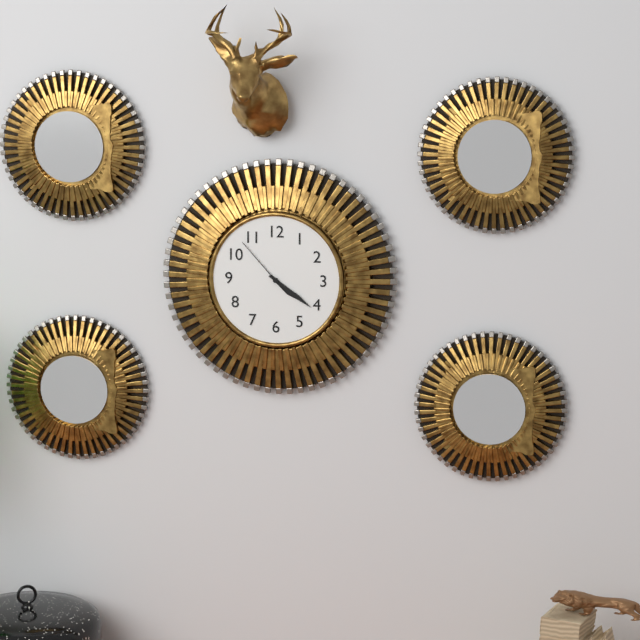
4:21:53
